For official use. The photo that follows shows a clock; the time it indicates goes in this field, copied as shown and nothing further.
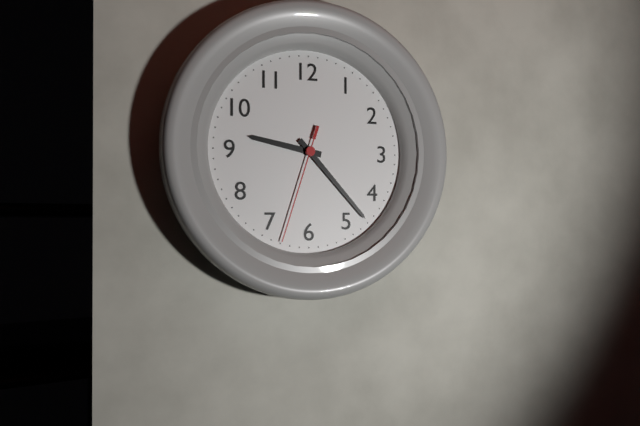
9:23:33
